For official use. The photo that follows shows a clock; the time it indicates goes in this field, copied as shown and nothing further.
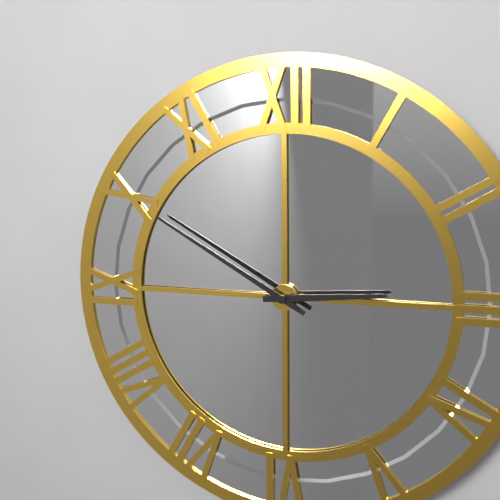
2:50
